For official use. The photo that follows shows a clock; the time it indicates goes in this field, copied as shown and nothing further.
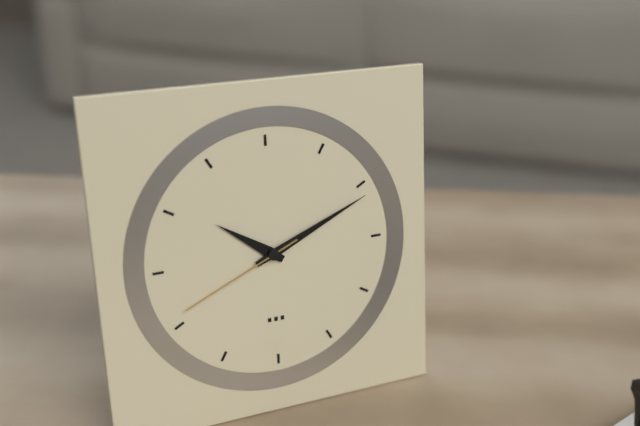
10:11:41
